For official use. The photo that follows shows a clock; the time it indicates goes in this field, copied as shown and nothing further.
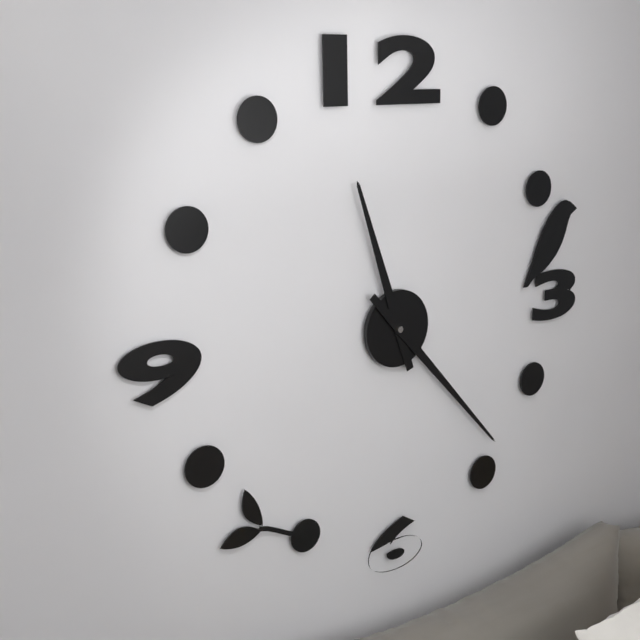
11:23
